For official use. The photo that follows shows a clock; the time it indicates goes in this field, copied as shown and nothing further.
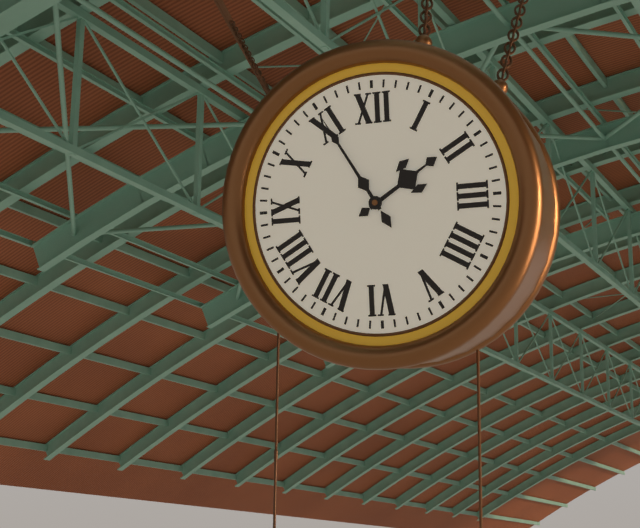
1:55
